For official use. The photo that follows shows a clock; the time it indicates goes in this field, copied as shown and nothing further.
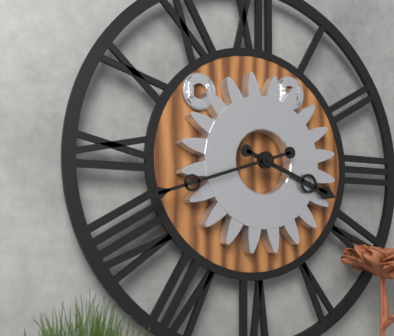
3:42
